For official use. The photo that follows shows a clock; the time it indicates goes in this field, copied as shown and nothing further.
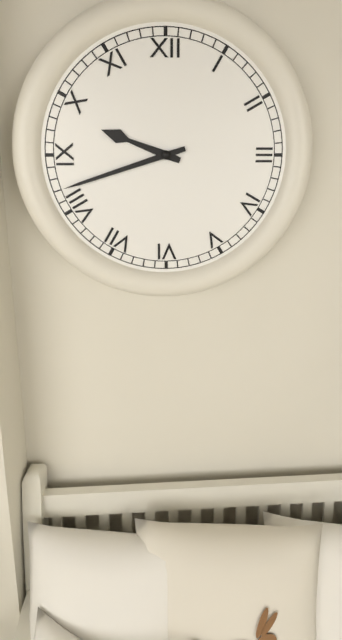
9:42
